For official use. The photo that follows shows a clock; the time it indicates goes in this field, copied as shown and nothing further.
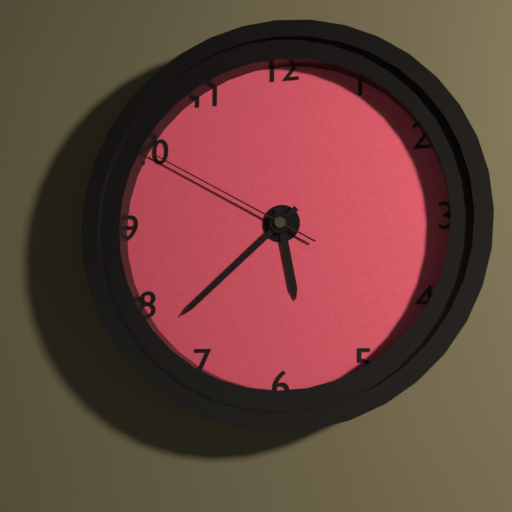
5:38:50
